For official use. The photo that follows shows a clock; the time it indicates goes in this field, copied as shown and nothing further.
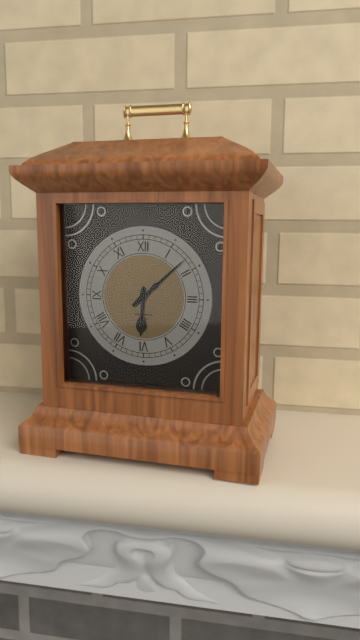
6:08
